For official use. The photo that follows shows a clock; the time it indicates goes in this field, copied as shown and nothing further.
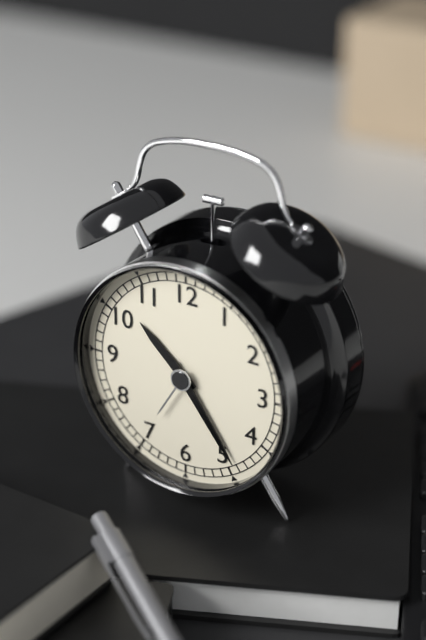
10:24
